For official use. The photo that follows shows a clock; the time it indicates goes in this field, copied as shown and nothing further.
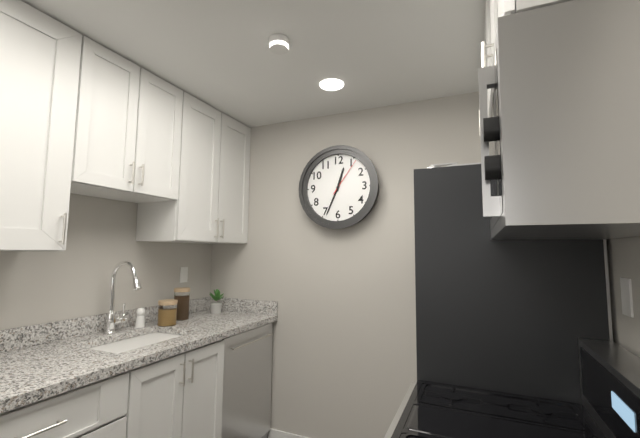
12:34
